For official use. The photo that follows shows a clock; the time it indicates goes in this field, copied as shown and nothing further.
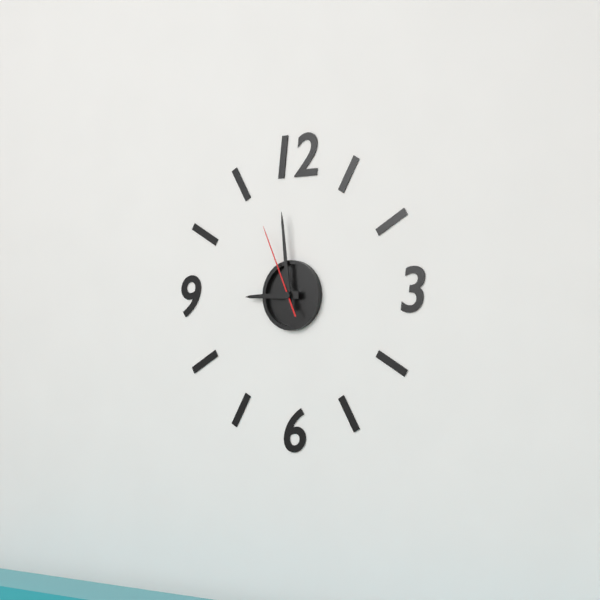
8:59:56
